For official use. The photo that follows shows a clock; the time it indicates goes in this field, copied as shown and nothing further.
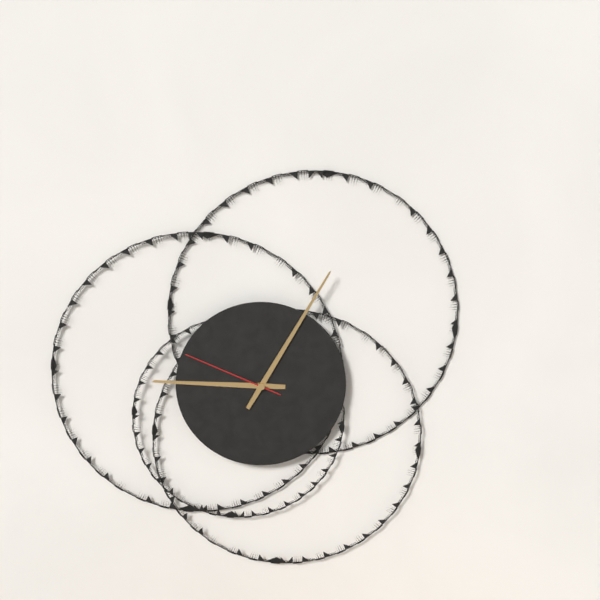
9:05:49
